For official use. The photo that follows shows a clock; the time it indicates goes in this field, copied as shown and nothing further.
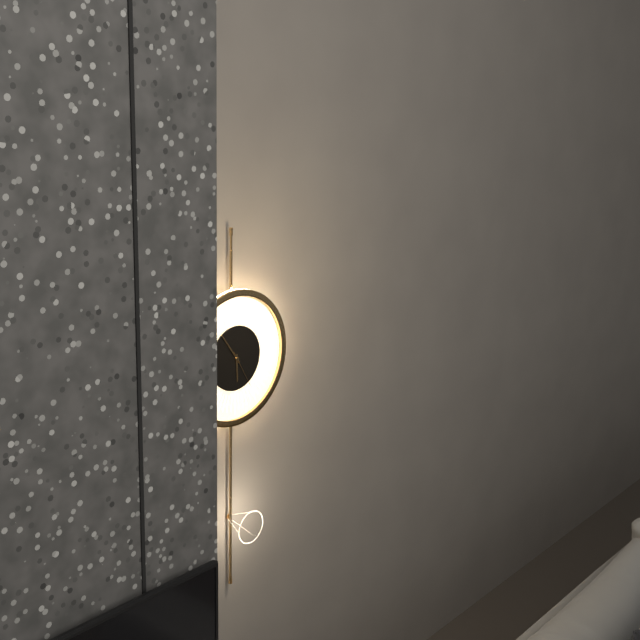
5:54
